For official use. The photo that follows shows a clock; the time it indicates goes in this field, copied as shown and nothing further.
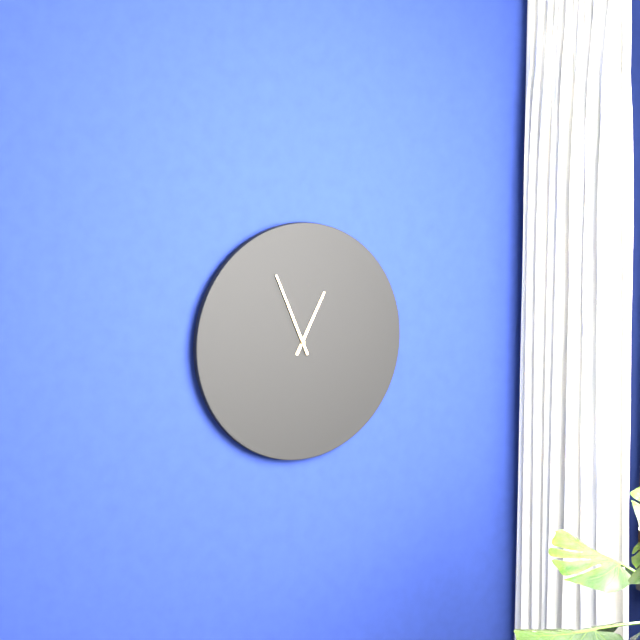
12:56
